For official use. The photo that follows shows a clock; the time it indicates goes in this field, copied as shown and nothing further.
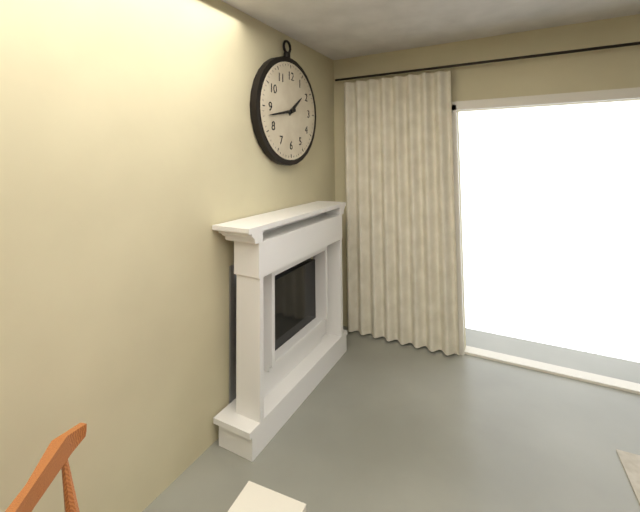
1:43
